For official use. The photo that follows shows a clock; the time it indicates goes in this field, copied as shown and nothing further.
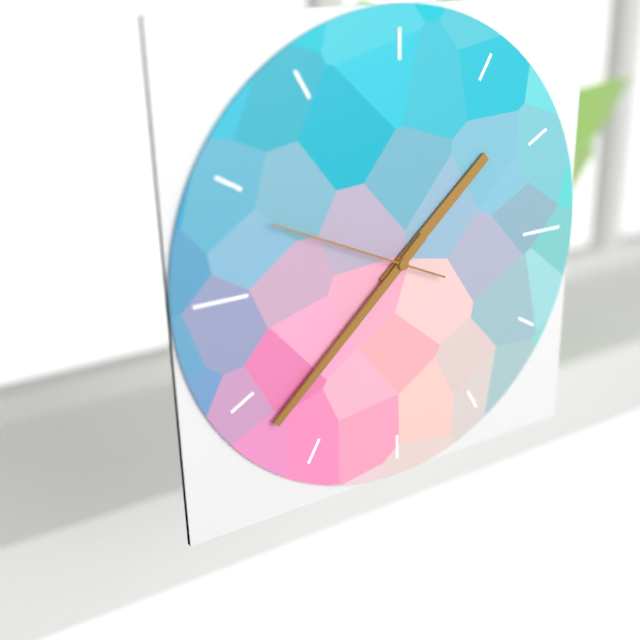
1:38:49
